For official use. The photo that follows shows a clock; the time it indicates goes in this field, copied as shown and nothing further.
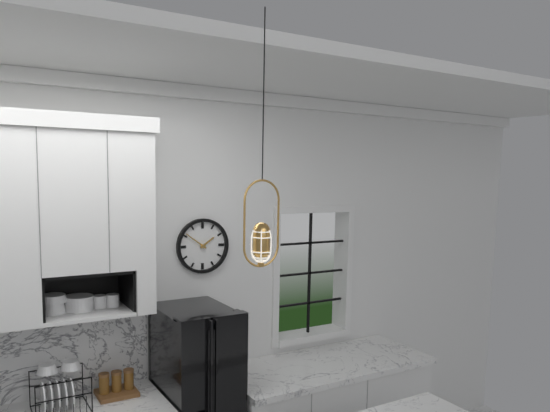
1:51
